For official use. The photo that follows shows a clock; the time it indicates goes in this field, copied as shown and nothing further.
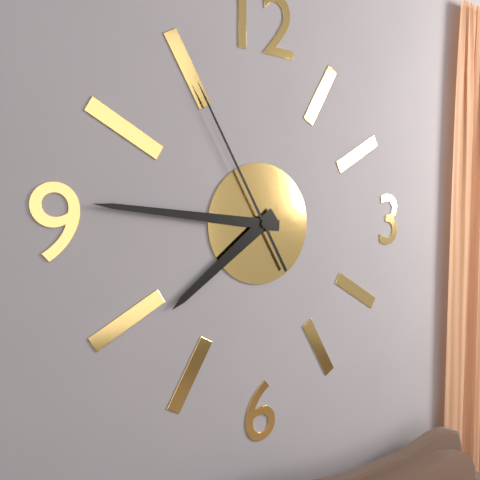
7:46:55
